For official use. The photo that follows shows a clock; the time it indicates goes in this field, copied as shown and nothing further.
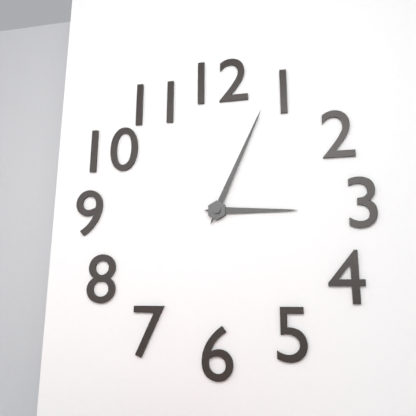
3:04
